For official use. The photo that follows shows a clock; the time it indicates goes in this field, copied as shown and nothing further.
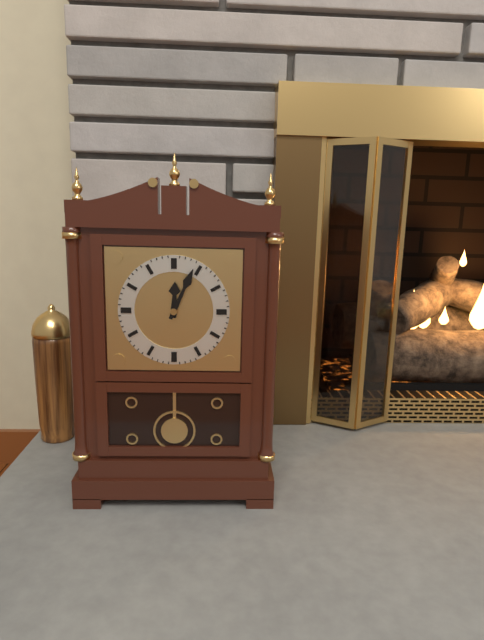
12:04
